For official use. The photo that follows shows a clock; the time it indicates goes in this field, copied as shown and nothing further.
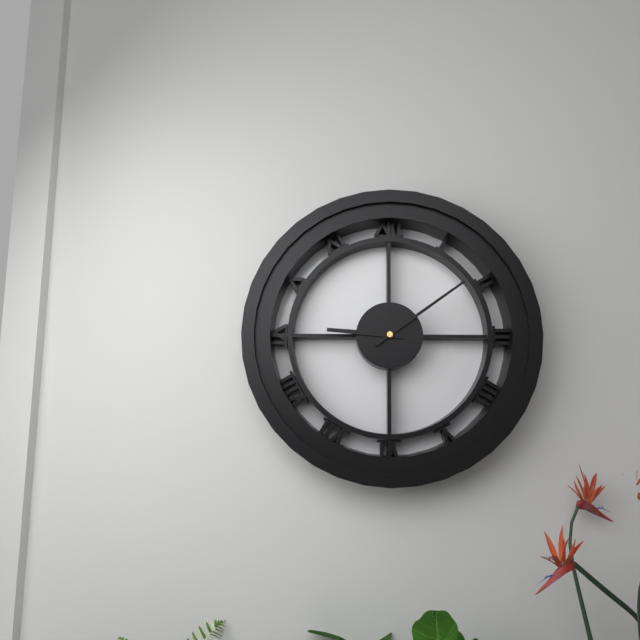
9:09
